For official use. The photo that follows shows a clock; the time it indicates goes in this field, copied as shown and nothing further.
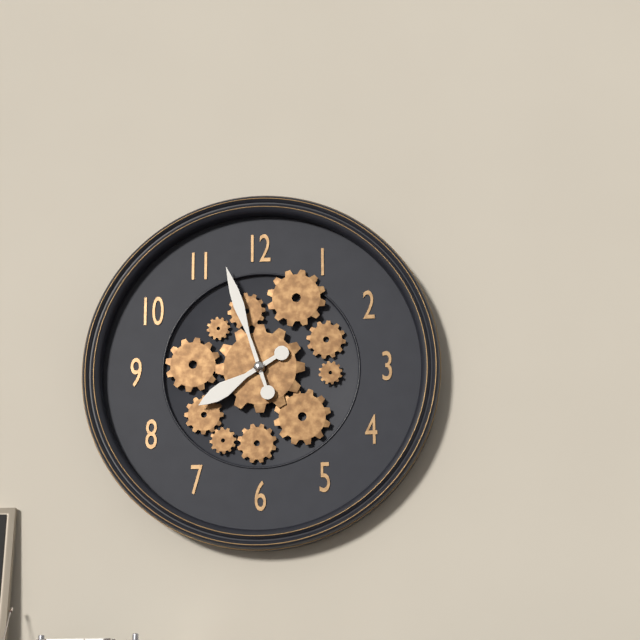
7:57
